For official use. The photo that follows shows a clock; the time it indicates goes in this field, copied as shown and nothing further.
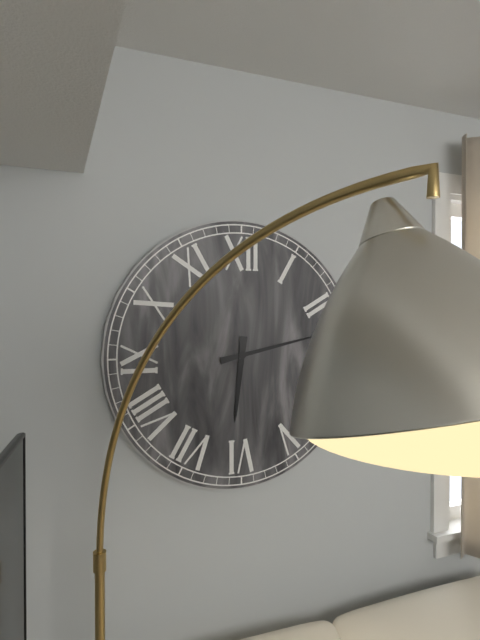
6:13
